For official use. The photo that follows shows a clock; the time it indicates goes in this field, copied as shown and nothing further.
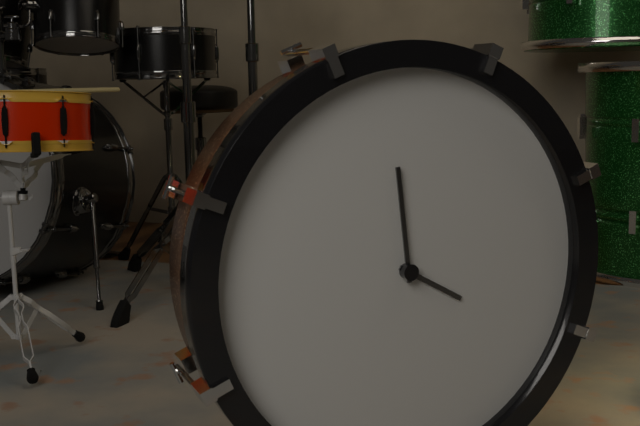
3:59
